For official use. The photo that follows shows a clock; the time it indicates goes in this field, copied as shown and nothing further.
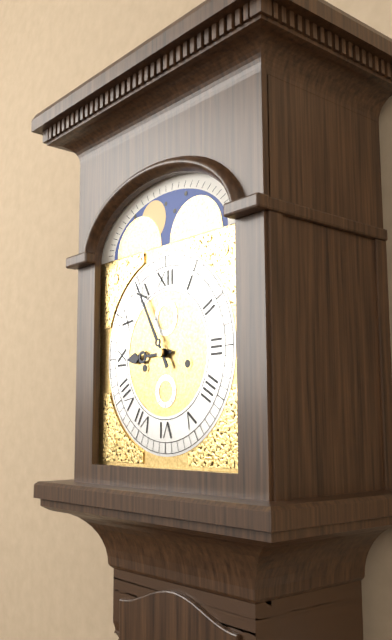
8:55
